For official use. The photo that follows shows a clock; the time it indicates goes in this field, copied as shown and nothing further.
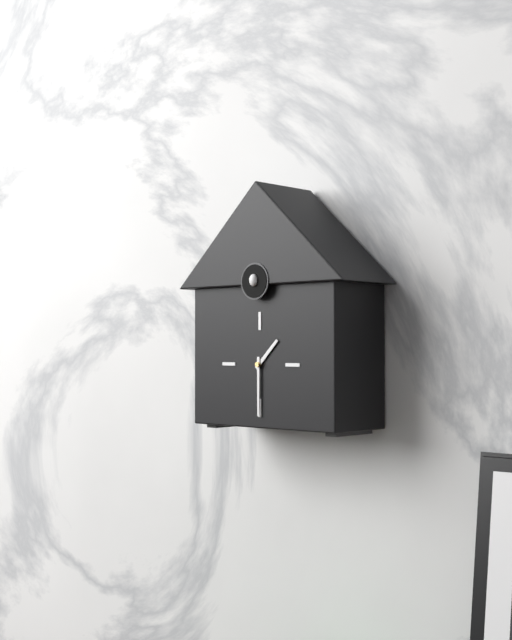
1:30
